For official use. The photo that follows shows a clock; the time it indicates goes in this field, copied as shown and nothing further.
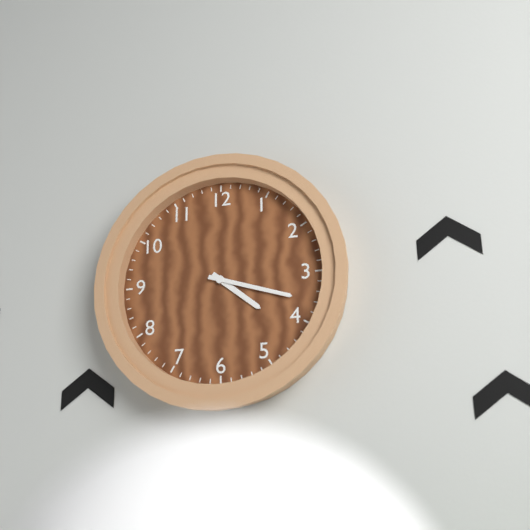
4:18
